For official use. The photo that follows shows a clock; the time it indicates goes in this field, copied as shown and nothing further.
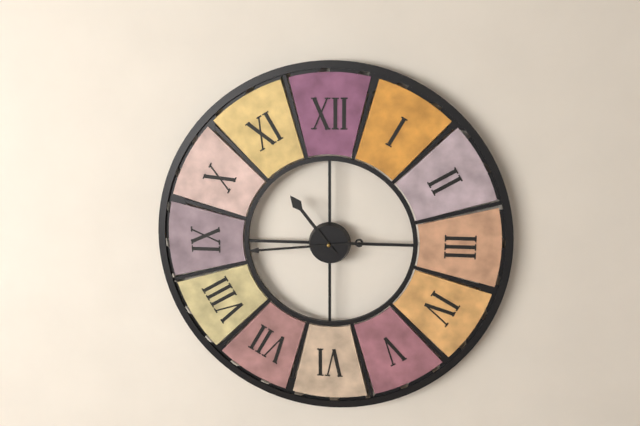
10:44
